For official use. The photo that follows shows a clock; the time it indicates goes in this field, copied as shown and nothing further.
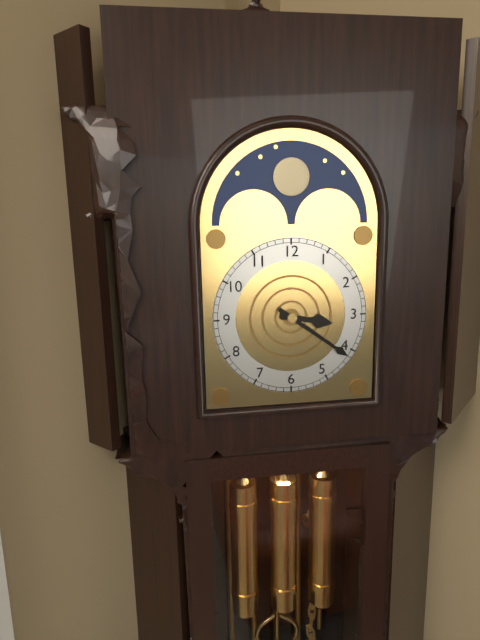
3:21
